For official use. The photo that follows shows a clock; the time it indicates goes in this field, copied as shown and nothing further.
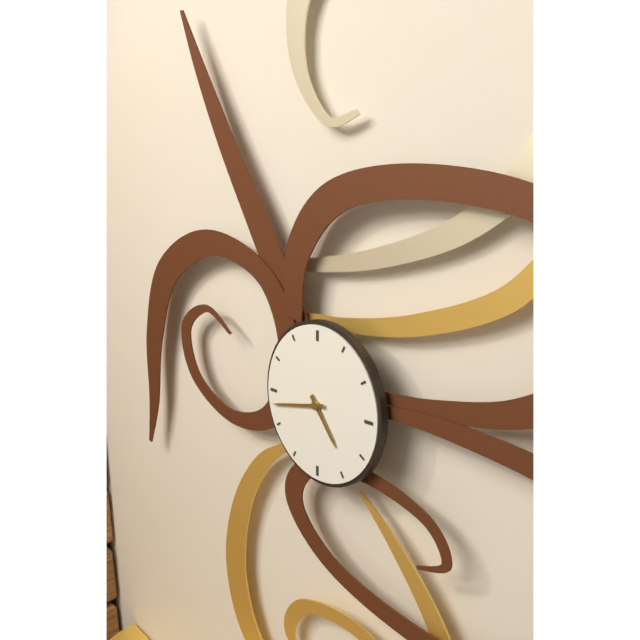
4:43
